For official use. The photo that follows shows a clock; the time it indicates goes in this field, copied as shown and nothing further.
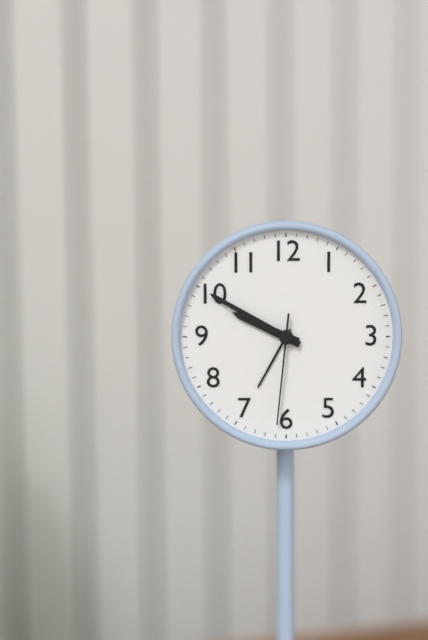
9:50:31
